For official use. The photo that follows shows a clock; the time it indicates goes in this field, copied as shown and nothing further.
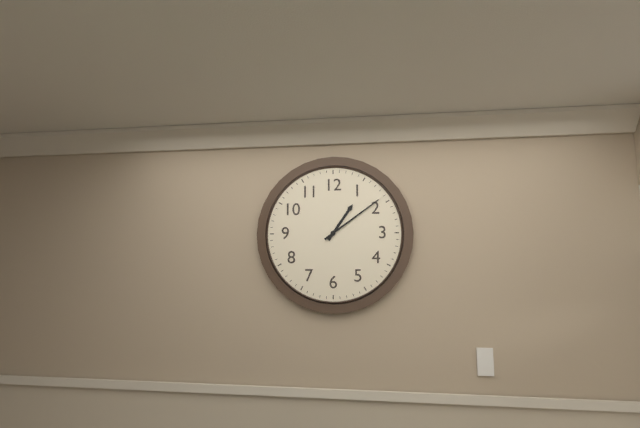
1:09
